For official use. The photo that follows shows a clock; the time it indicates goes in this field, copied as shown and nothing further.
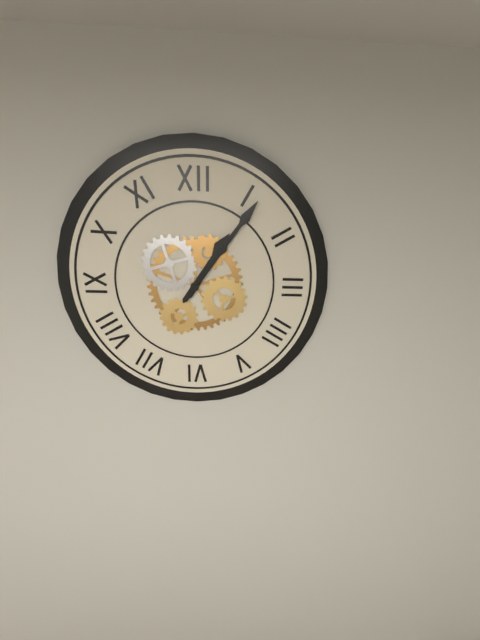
1:06
